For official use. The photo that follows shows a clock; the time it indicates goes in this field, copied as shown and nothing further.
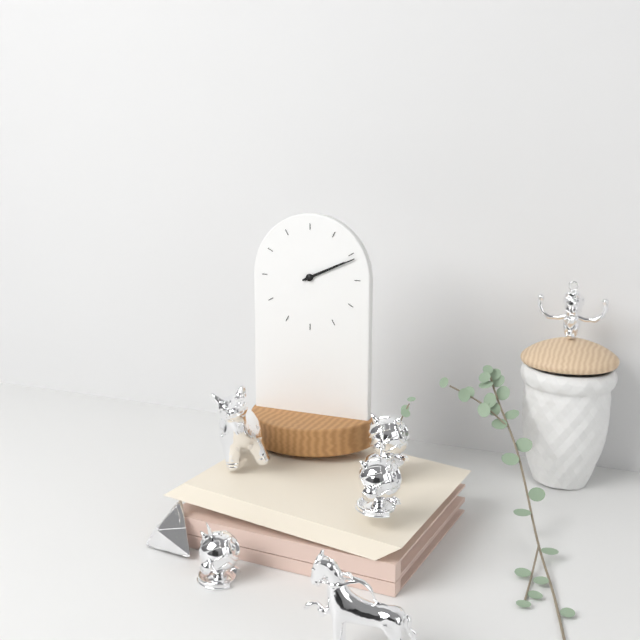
2:11
